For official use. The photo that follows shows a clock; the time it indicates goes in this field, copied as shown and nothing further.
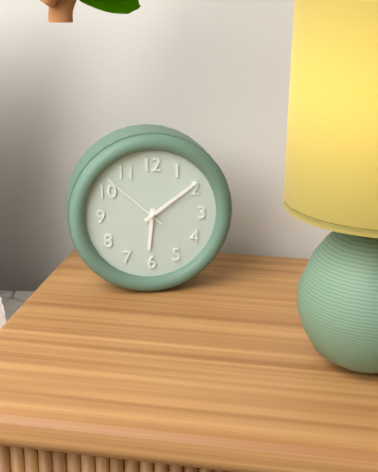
6:09:52
